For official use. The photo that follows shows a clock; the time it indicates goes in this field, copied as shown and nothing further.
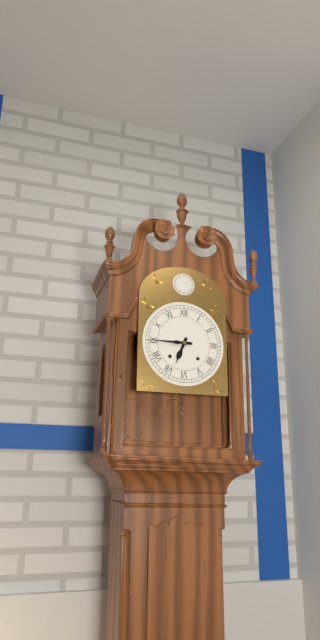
6:45
